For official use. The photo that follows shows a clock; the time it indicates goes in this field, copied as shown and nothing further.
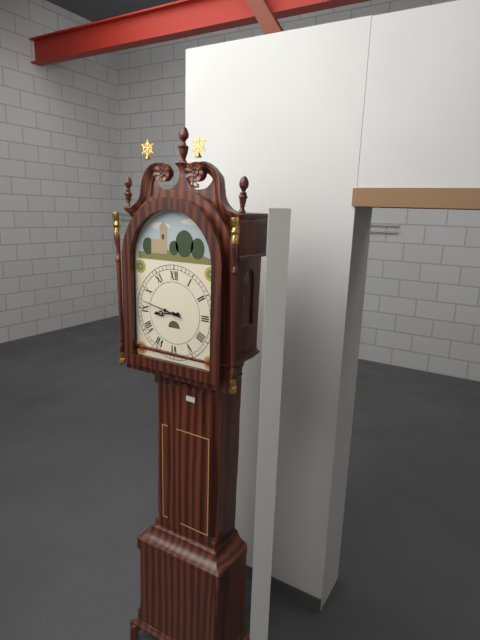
8:47
